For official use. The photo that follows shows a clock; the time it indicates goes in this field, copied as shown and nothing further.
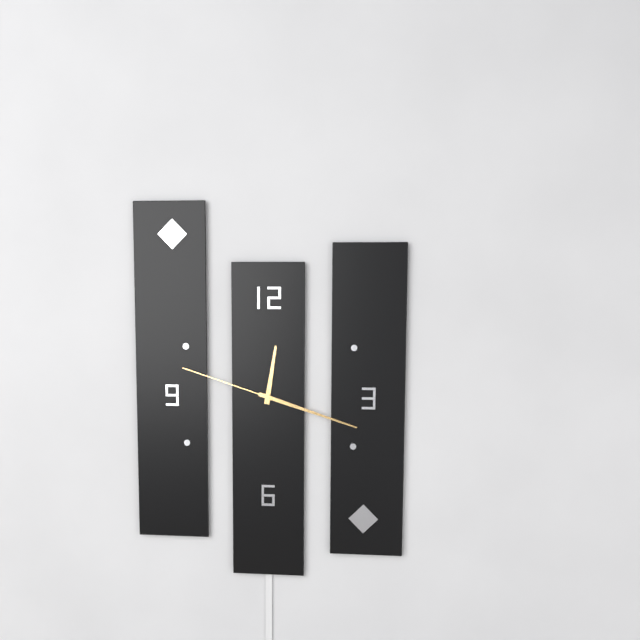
12:18:48
